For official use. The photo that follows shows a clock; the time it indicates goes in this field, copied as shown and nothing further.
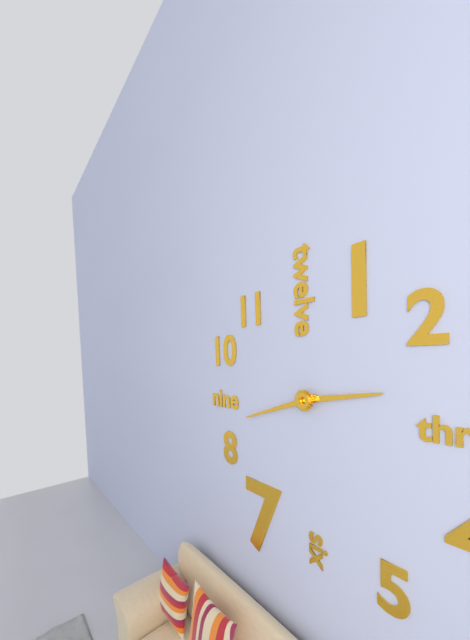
2:42
